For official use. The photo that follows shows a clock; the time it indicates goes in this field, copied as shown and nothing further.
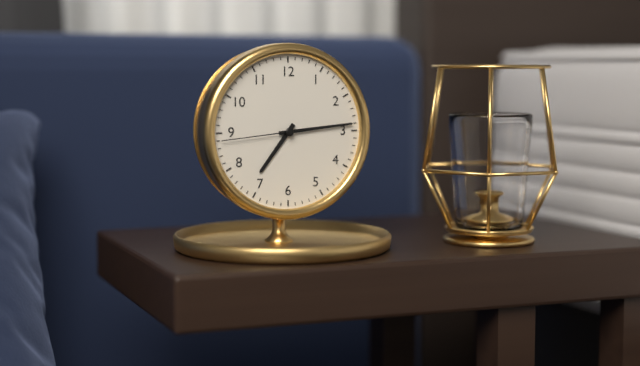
7:14:44
